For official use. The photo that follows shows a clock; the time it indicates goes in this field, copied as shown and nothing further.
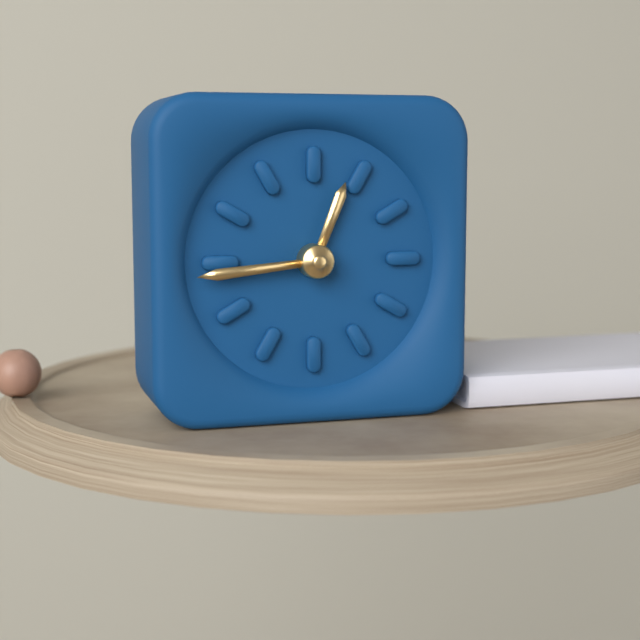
12:44
